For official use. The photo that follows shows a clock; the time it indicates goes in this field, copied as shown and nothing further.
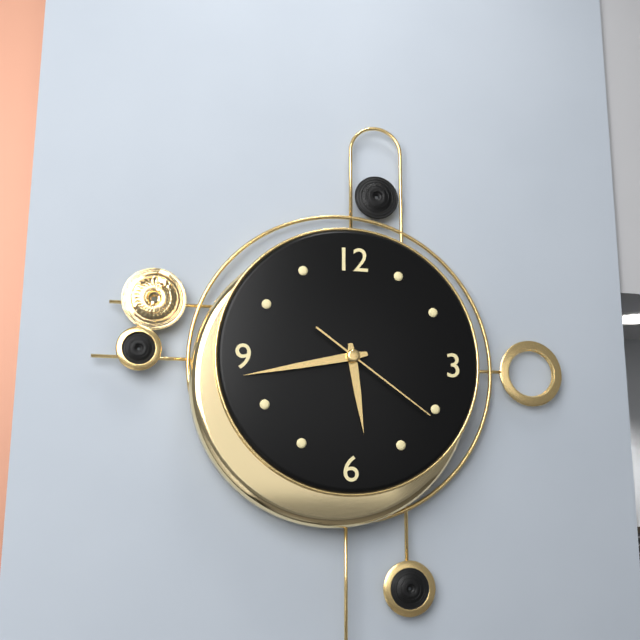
5:43:21
